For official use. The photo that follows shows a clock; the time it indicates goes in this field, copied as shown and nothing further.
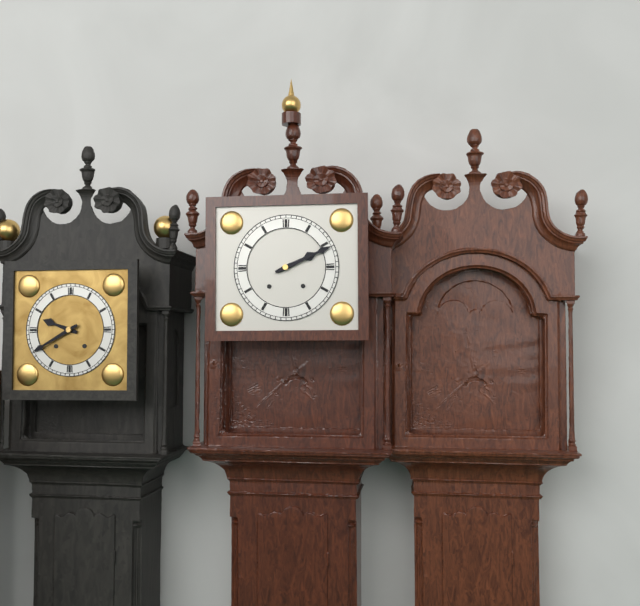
2:11
